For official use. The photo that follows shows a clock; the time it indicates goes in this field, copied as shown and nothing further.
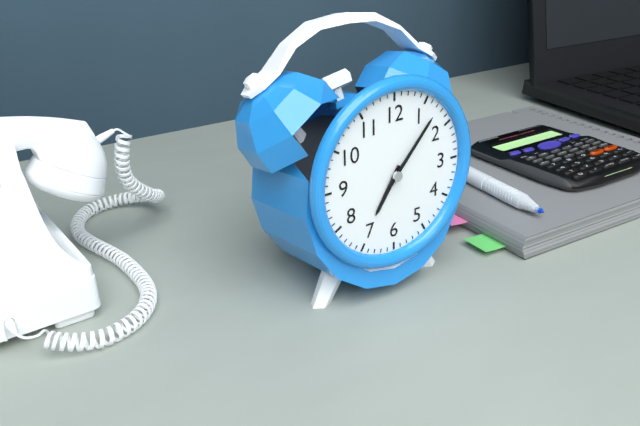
7:07
